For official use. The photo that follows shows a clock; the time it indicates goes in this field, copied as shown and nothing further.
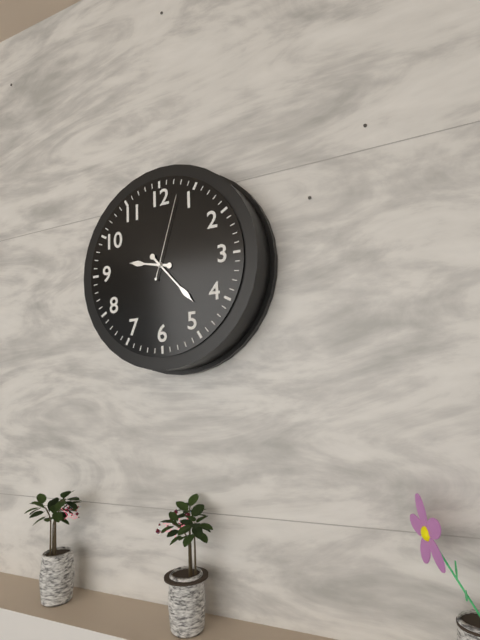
9:23:03
